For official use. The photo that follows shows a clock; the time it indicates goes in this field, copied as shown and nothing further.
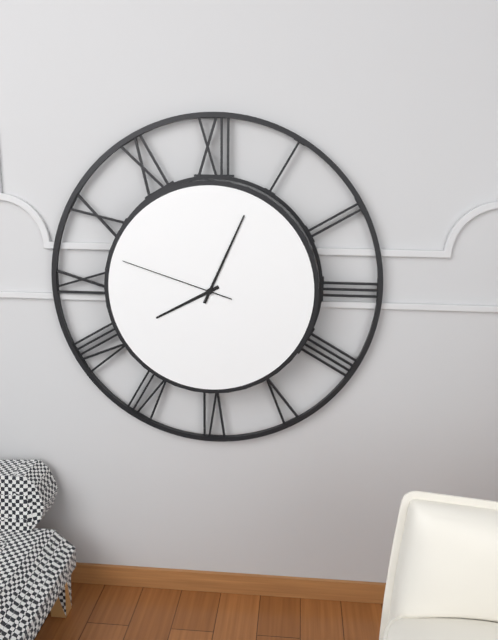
8:04:48
